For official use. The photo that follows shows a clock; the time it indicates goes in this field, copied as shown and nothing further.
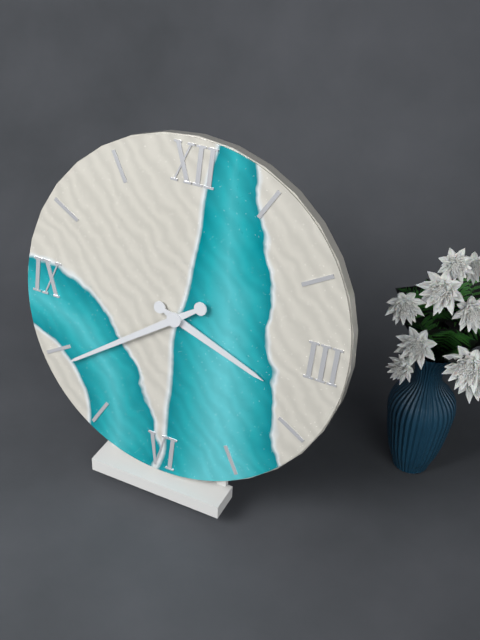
3:39
